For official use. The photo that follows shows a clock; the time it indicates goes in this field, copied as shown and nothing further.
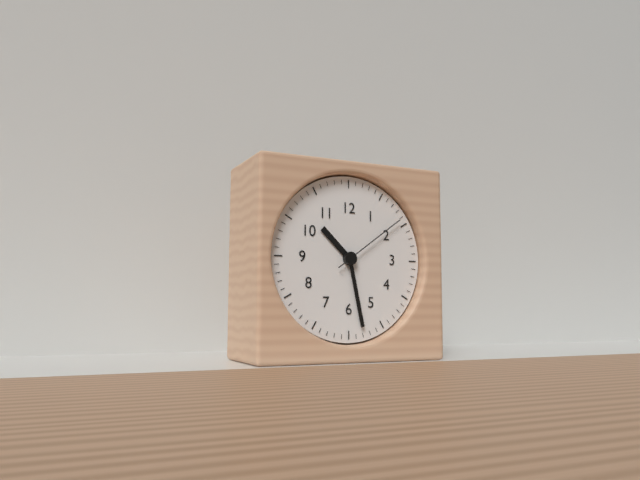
10:28:09
